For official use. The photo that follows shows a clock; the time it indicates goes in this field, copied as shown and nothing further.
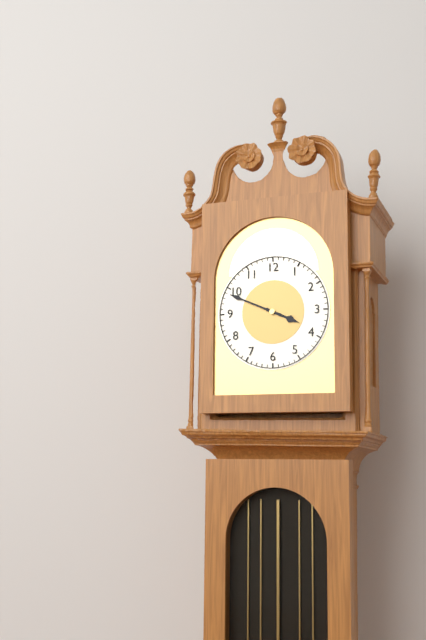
3:49
